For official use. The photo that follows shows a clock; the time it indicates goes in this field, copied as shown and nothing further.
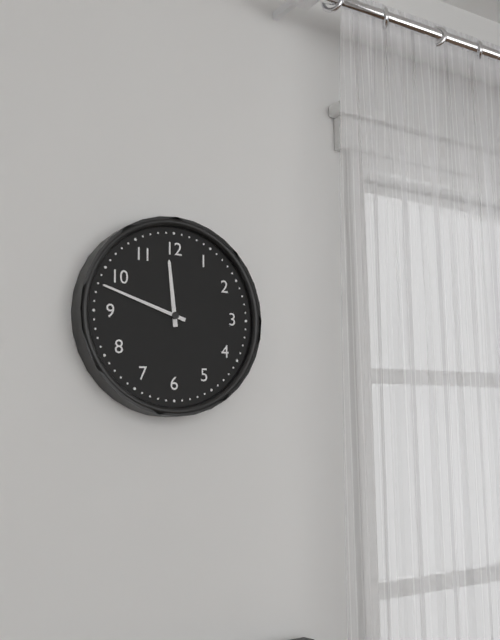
11:48
